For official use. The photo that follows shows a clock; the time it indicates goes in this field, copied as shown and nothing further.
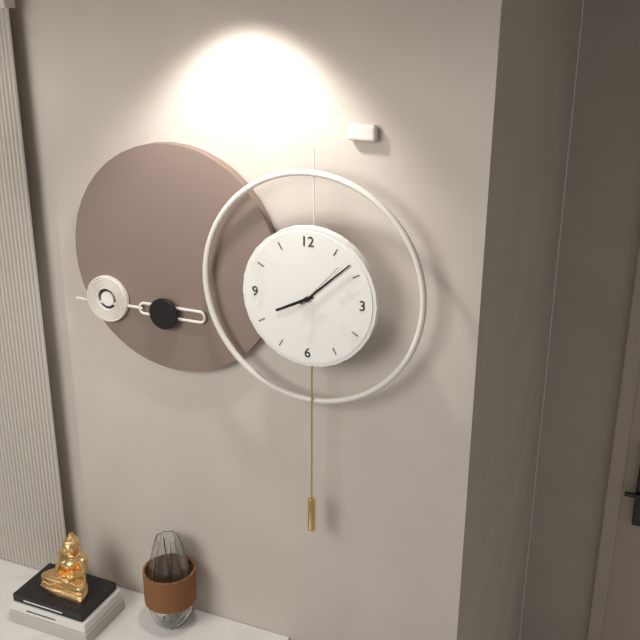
8:08:07
